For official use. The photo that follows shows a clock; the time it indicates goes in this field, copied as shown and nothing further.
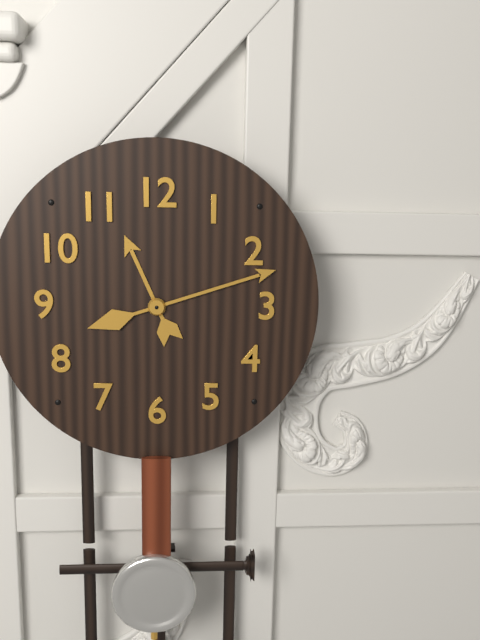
11:12
